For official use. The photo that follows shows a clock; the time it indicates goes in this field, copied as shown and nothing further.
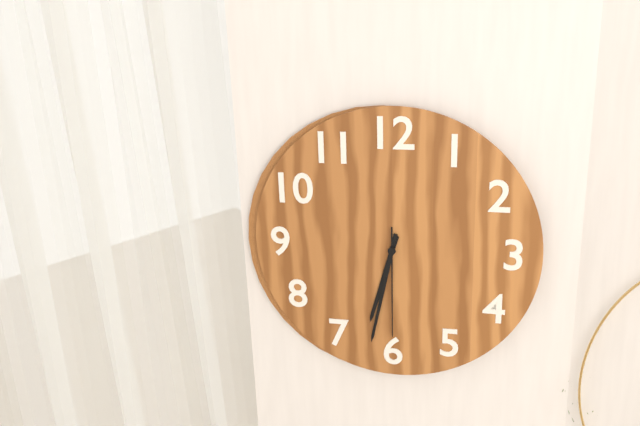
6:32:30
